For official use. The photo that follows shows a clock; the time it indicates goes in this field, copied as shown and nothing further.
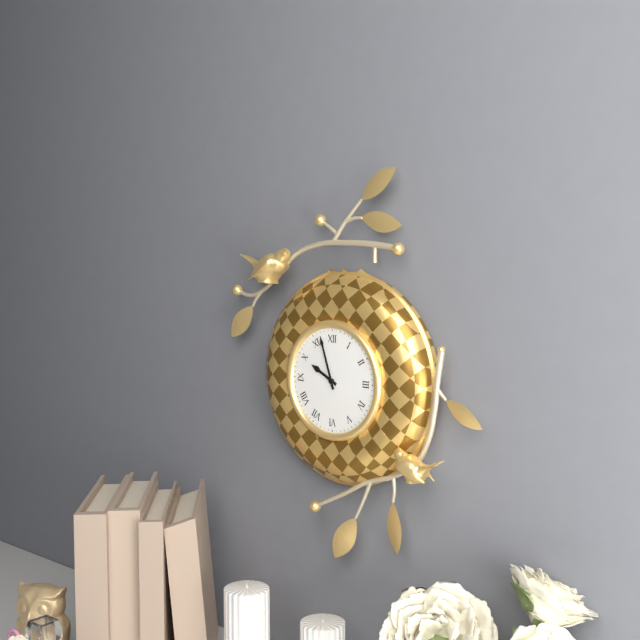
9:57
